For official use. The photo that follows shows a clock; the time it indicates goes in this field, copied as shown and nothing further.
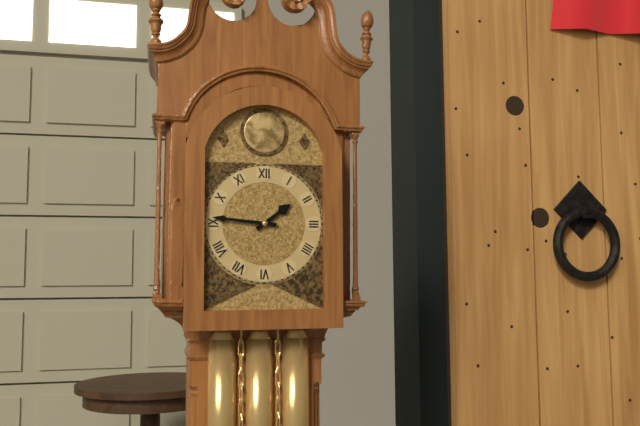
1:46
